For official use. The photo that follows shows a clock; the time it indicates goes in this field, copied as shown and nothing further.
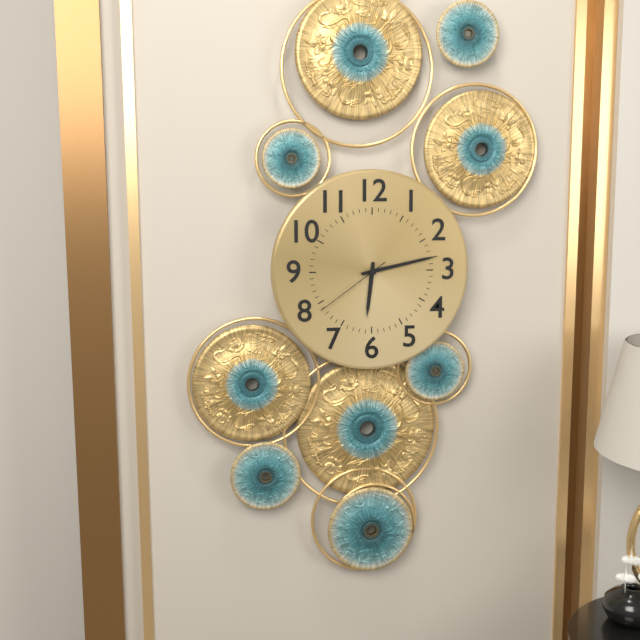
6:13:39
